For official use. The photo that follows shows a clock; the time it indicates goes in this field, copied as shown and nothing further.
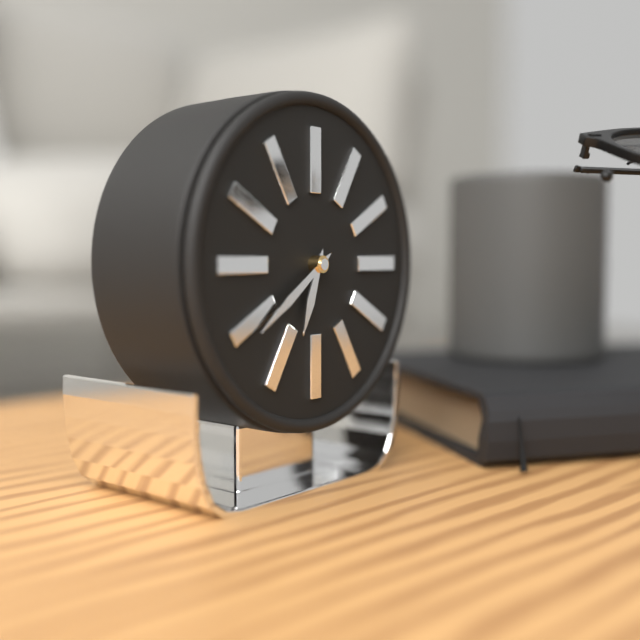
6:39
